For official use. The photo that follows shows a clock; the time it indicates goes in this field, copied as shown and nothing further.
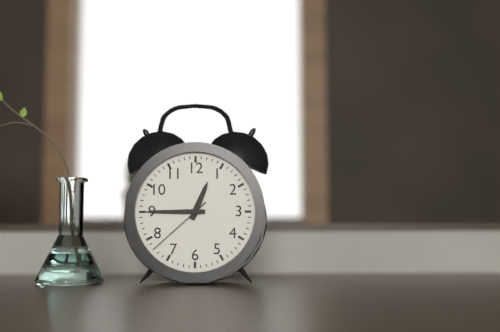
12:45:38
